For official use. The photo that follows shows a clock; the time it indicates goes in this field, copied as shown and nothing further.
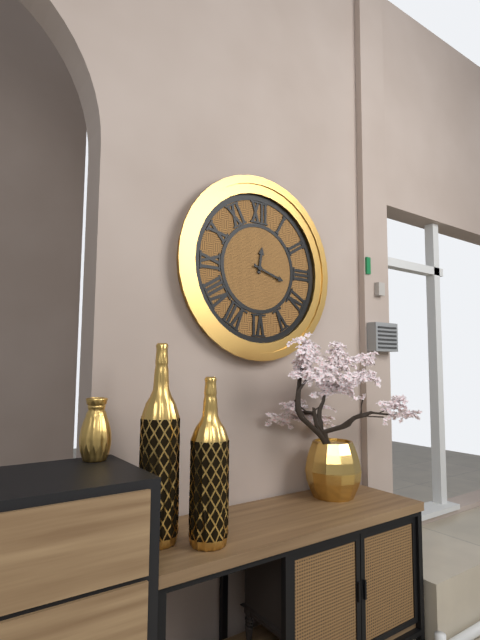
12:18
